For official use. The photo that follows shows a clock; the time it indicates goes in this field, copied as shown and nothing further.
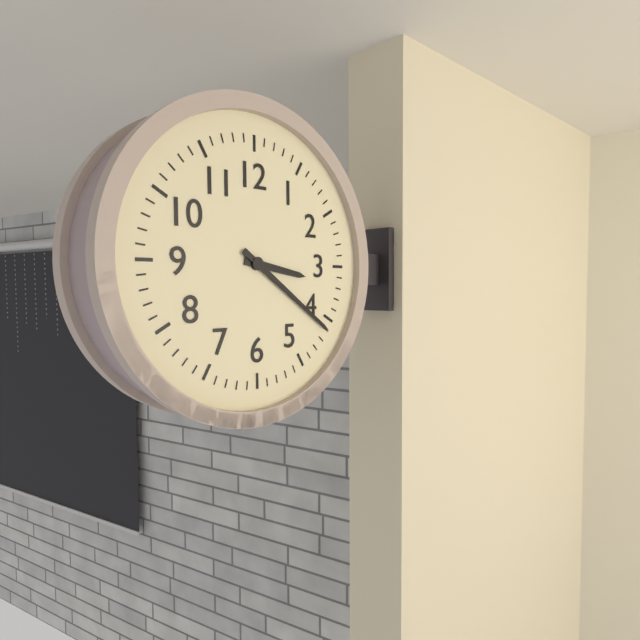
3:21
